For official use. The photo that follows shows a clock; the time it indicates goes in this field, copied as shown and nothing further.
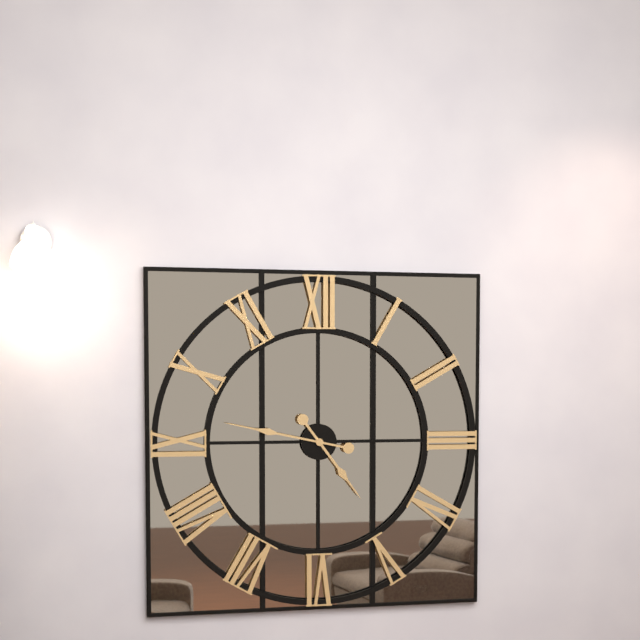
4:47
